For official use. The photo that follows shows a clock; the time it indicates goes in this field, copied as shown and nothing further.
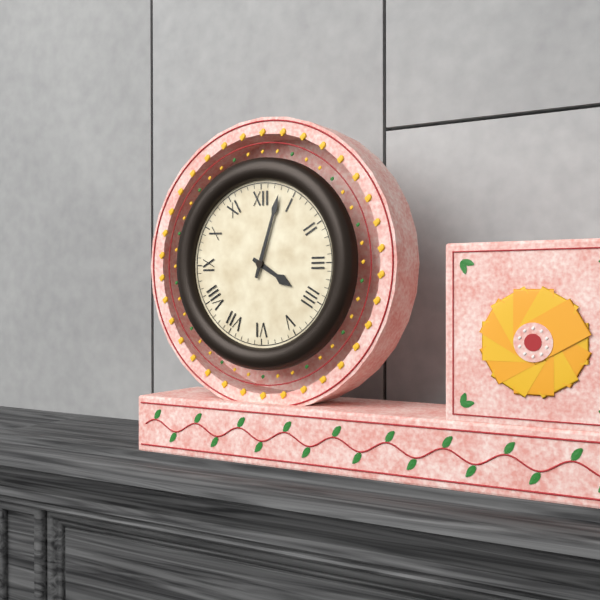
4:03
